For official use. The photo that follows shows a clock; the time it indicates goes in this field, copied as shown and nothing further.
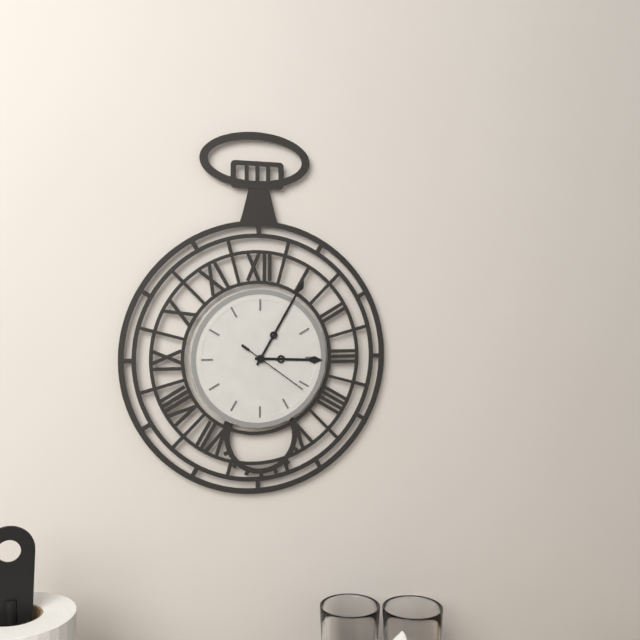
3:05:21
